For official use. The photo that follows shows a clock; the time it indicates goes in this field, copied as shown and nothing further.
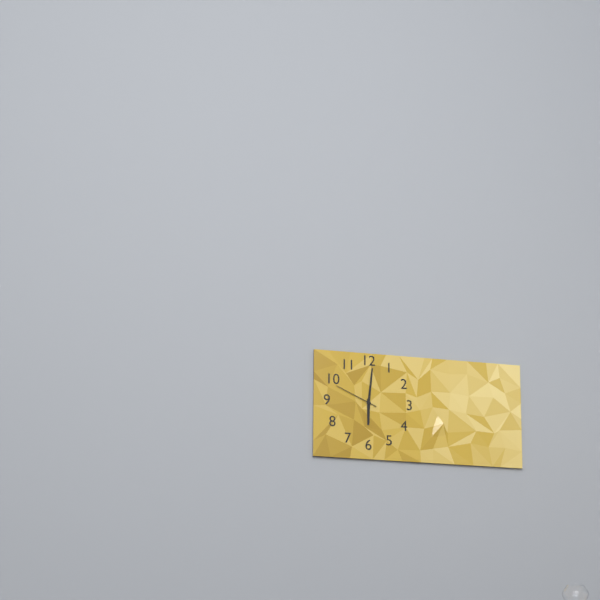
6:01
